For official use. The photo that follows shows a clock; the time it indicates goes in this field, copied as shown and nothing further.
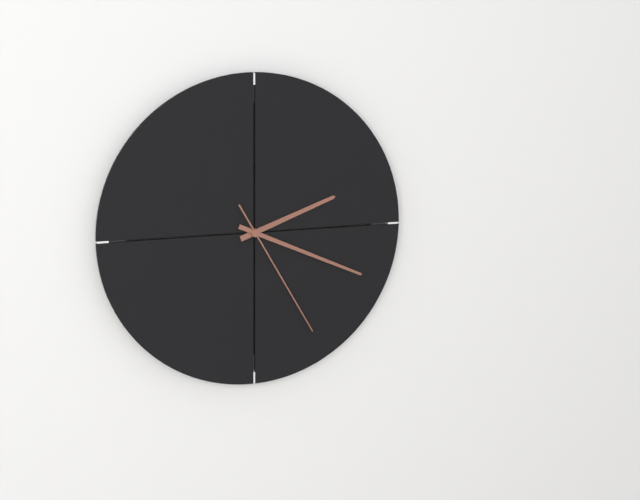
2:19:25
